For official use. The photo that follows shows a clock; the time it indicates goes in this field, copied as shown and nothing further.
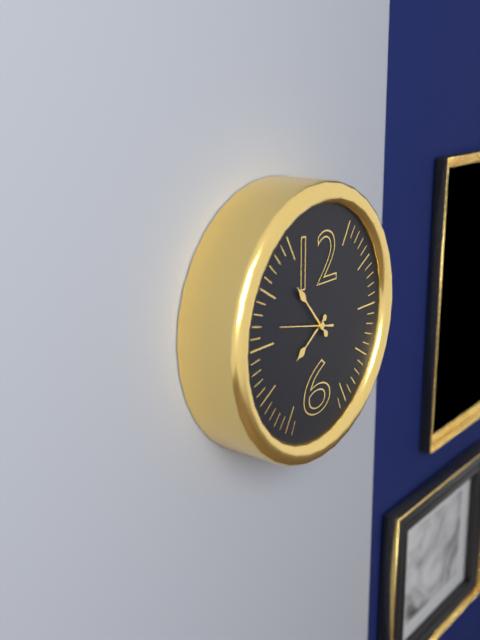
7:53
